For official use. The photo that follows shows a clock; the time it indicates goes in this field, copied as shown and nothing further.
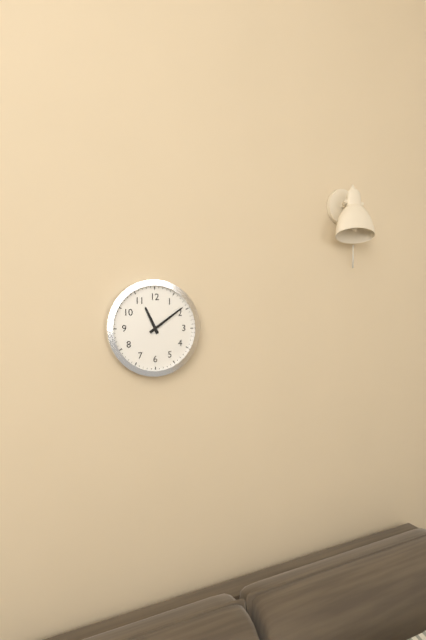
11:09
